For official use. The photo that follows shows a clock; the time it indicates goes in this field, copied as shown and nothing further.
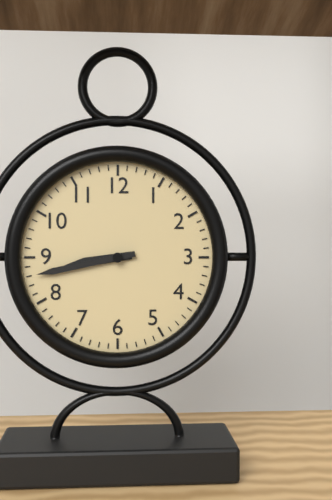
8:43
